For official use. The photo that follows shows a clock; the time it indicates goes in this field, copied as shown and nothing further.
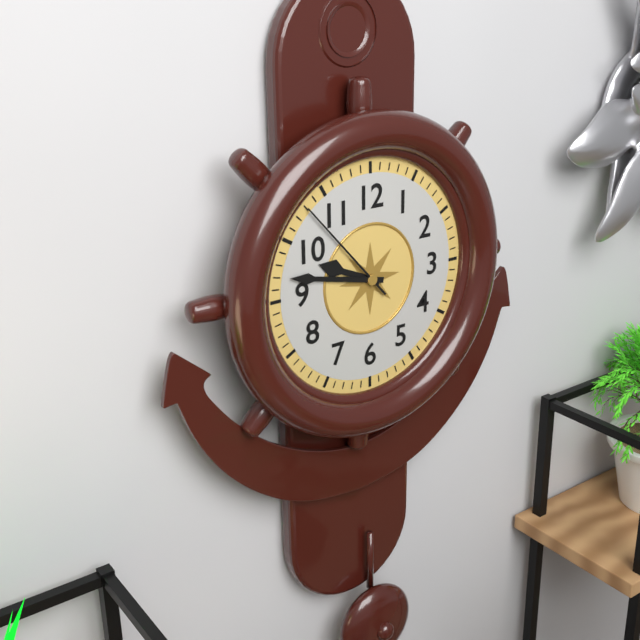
9:47:53
